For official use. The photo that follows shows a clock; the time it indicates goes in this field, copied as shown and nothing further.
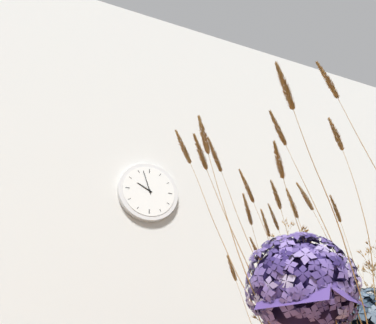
9:57
